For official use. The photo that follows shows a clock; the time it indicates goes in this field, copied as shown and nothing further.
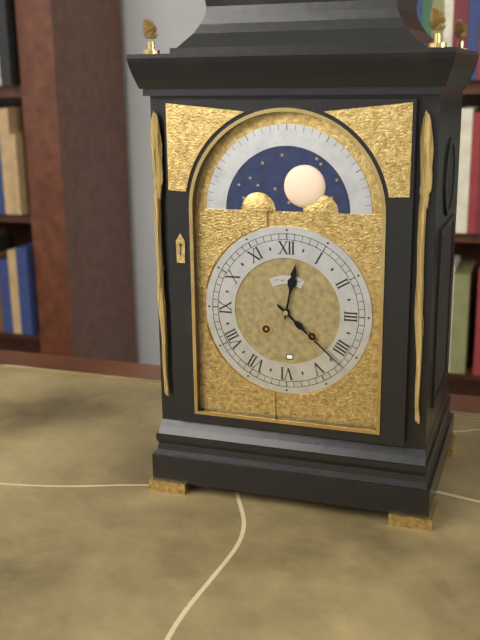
12:22
